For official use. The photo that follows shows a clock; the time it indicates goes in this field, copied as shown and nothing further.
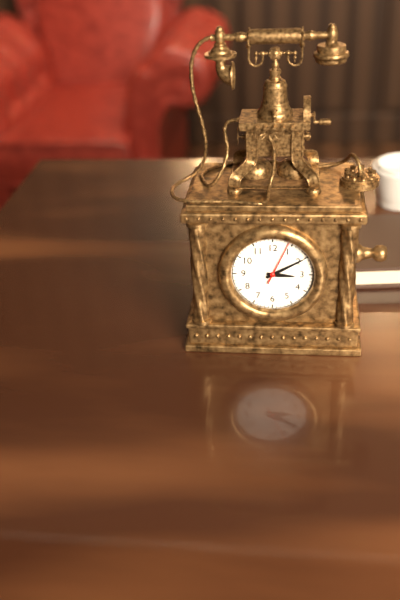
3:10
